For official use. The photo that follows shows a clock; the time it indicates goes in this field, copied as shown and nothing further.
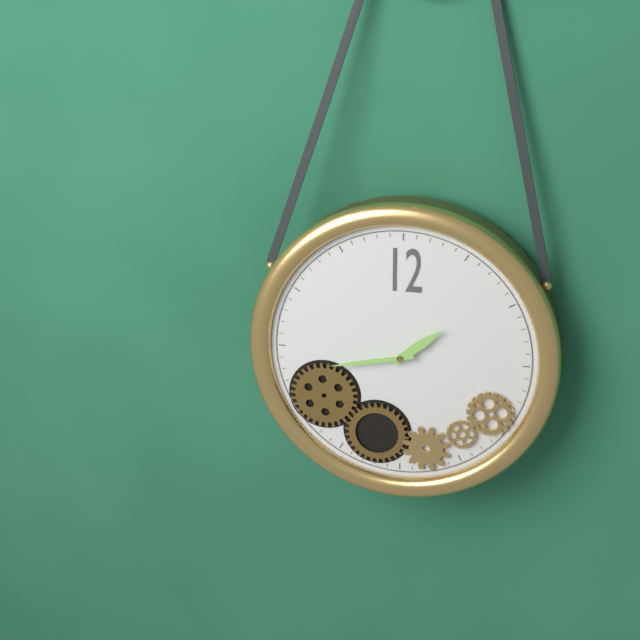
1:43
